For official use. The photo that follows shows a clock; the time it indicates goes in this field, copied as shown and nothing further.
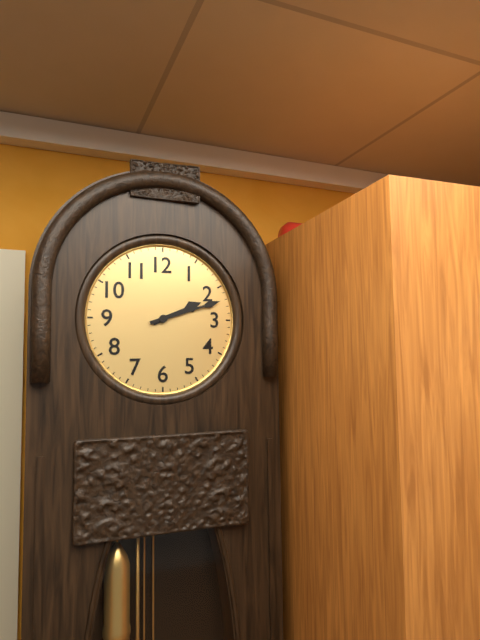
2:12
